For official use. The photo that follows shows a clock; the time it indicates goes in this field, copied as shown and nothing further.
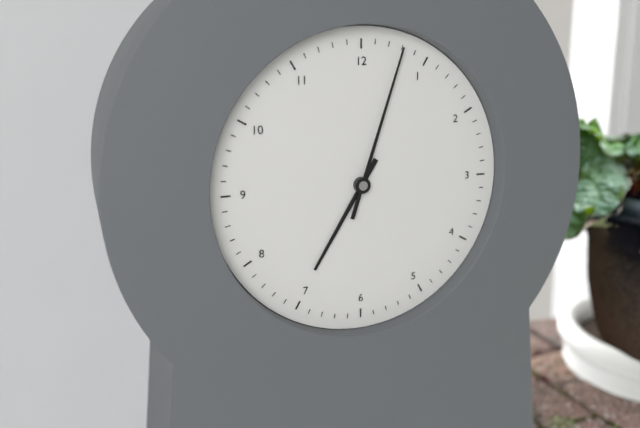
7:03
